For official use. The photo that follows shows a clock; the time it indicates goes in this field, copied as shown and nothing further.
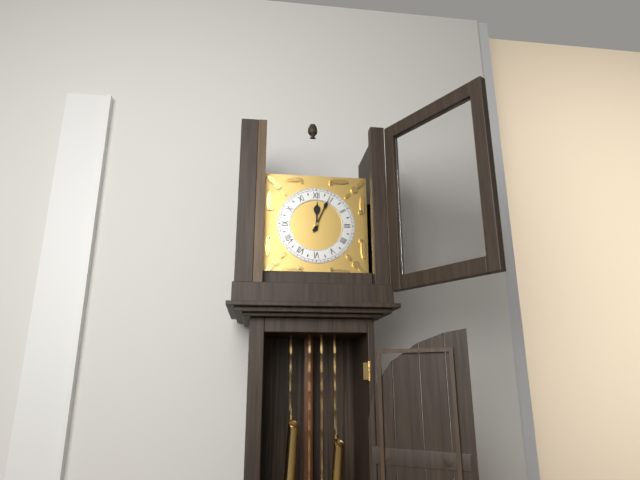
12:04
